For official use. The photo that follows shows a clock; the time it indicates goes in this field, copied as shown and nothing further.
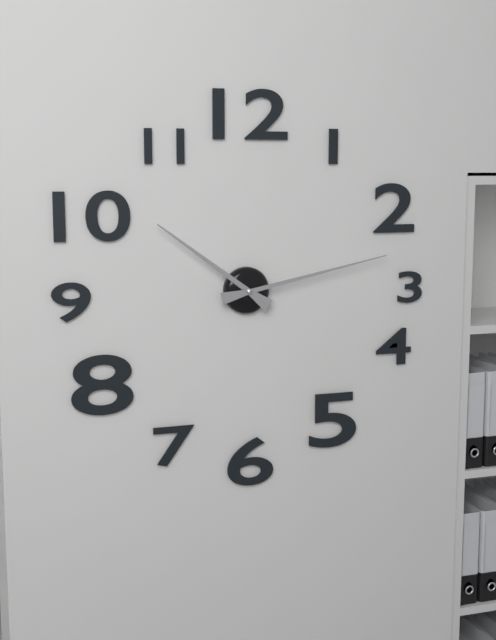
10:13
